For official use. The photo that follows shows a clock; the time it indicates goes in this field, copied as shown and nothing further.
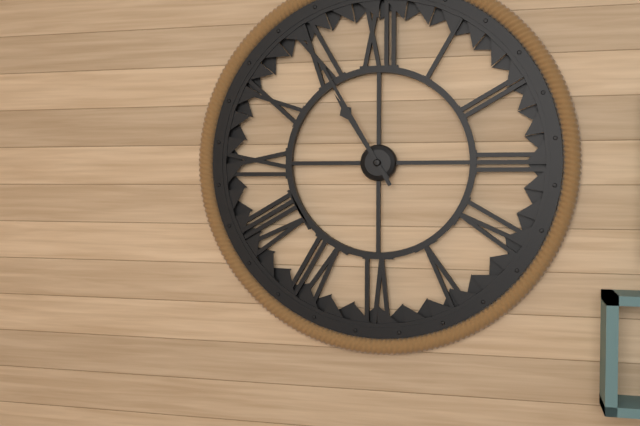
10:55
